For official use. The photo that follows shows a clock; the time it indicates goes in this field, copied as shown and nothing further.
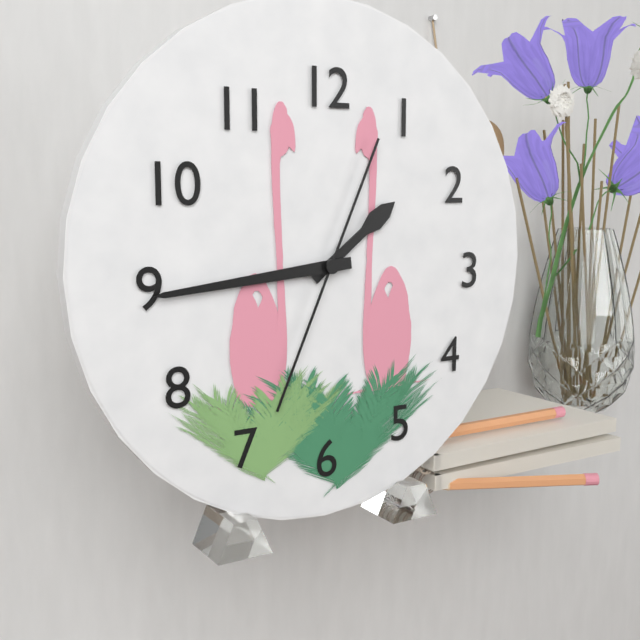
1:44:34
